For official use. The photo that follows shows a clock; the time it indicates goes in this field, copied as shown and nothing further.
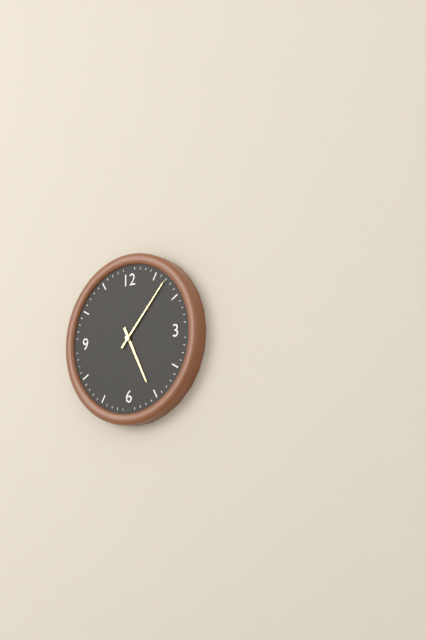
5:07
